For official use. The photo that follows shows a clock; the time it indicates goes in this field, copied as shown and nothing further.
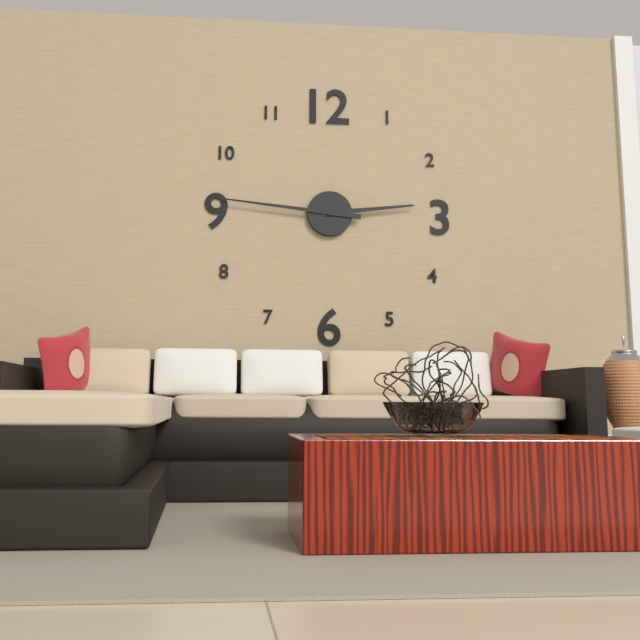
2:46
